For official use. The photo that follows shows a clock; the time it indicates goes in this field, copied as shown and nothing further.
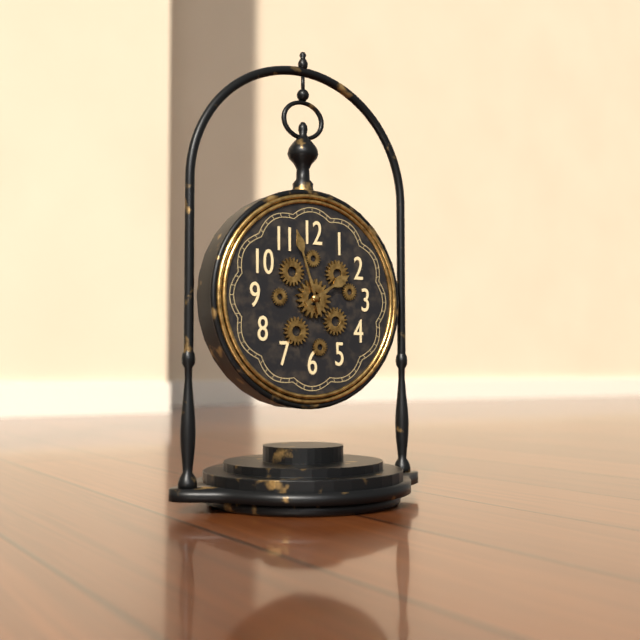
1:57
